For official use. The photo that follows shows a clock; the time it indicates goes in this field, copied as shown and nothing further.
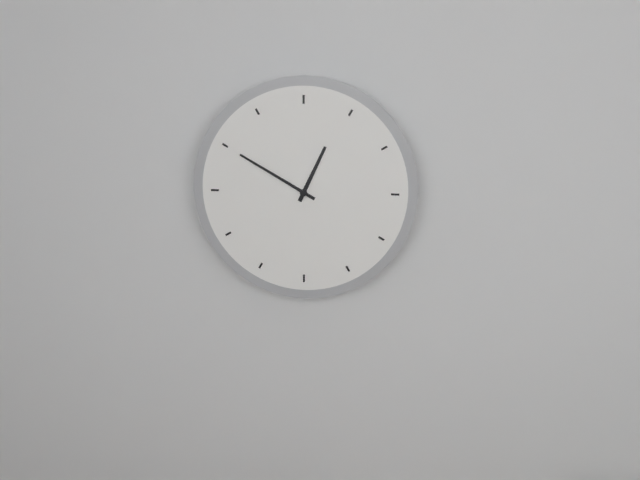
12:50
